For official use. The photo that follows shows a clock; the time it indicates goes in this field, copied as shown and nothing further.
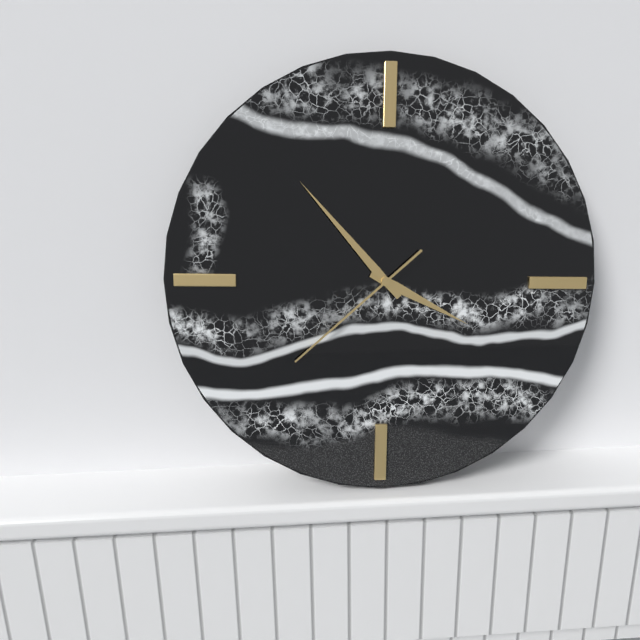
3:53:38
